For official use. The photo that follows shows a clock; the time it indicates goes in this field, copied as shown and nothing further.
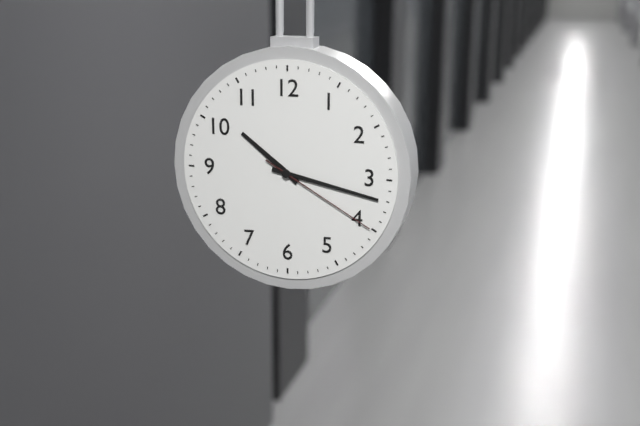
10:17:20
